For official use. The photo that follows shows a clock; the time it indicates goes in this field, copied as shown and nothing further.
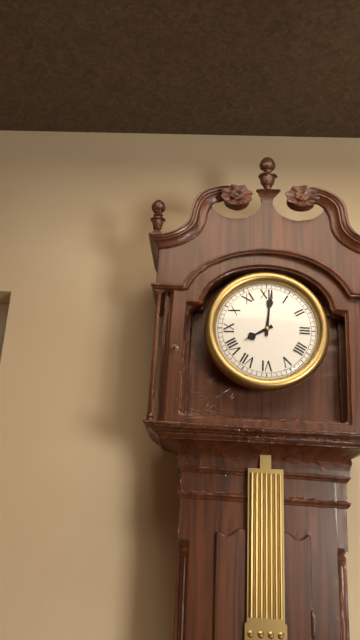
8:01
